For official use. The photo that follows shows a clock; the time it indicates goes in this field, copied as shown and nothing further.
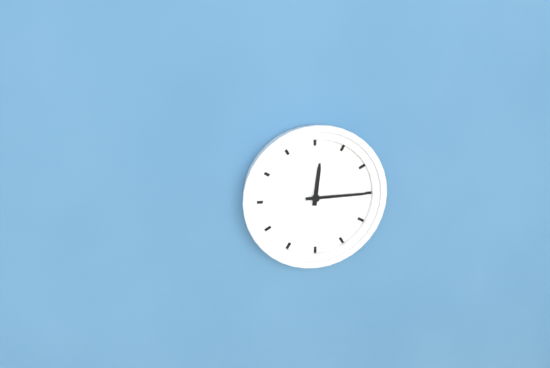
12:15
